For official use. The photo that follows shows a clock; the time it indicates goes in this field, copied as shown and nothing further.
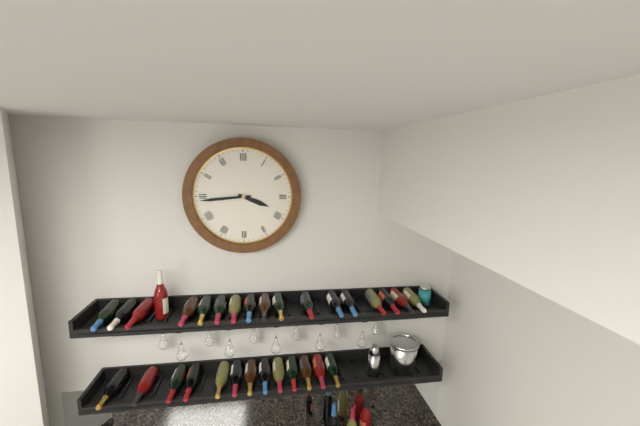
3:44
